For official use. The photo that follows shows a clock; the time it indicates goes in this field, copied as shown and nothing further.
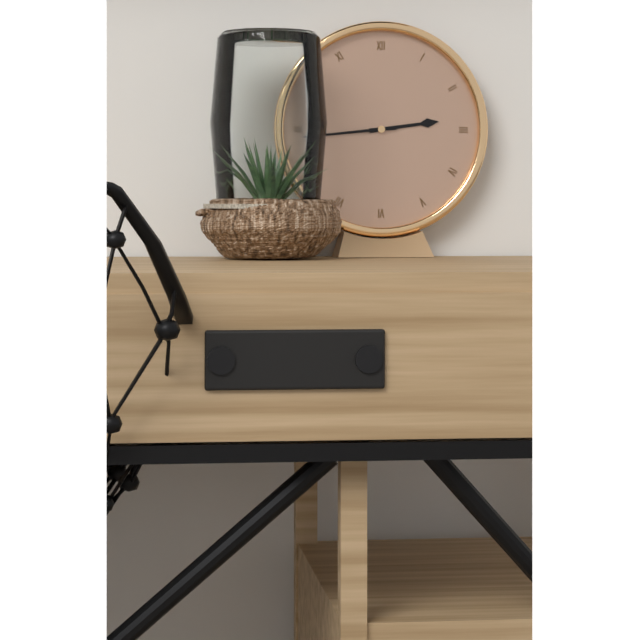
2:44
